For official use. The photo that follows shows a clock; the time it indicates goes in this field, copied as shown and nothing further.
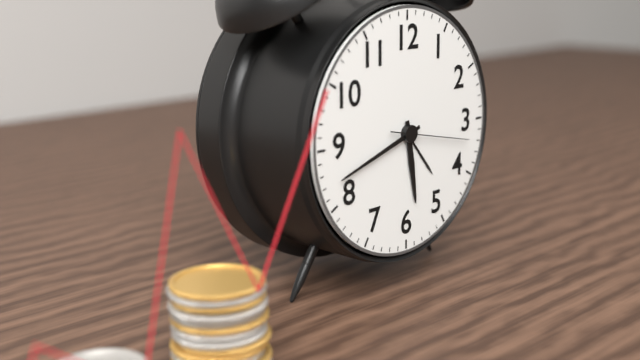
5:42:17
